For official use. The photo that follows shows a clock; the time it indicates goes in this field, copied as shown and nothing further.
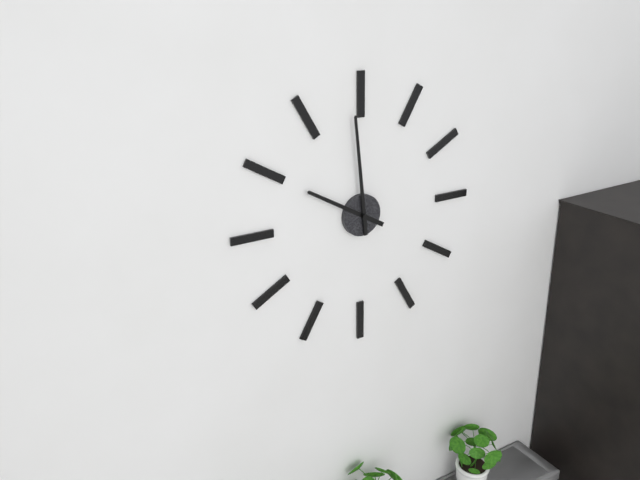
9:59
